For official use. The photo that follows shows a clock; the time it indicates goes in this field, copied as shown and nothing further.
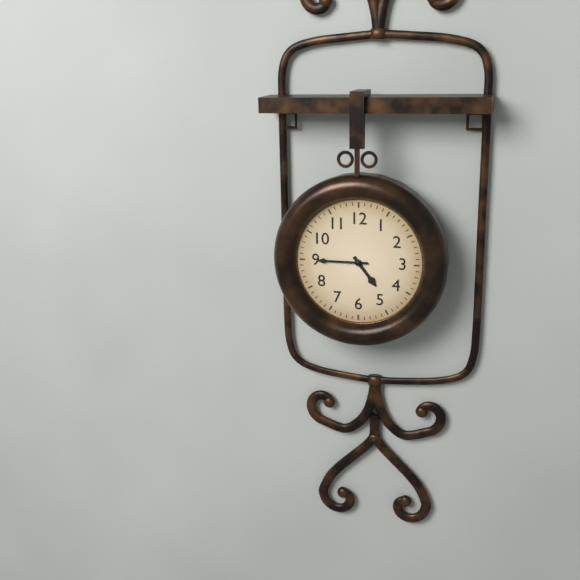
4:45
